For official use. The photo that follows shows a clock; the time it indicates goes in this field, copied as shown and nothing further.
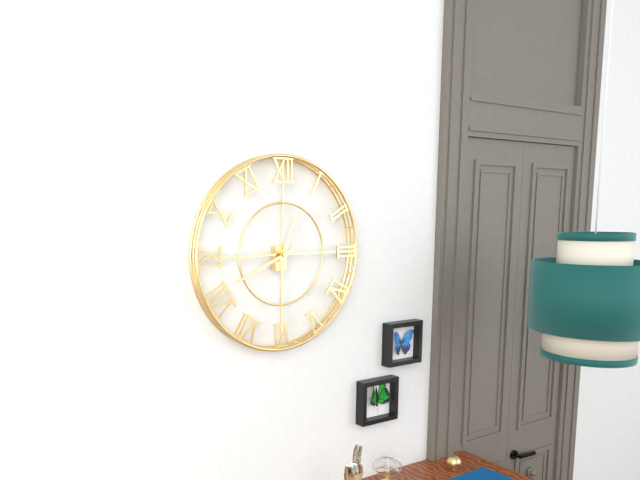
12:41
